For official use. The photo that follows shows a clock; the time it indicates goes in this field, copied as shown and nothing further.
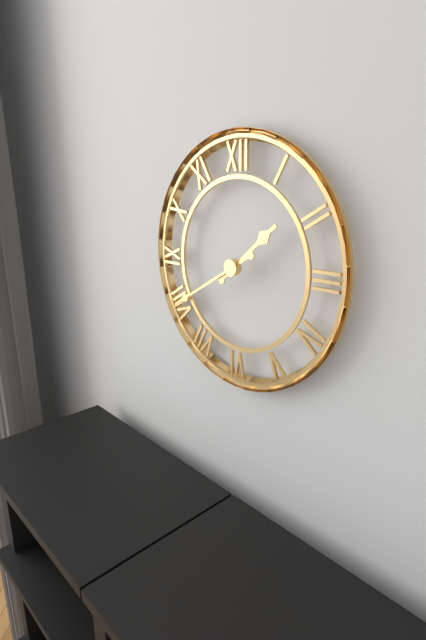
1:40
